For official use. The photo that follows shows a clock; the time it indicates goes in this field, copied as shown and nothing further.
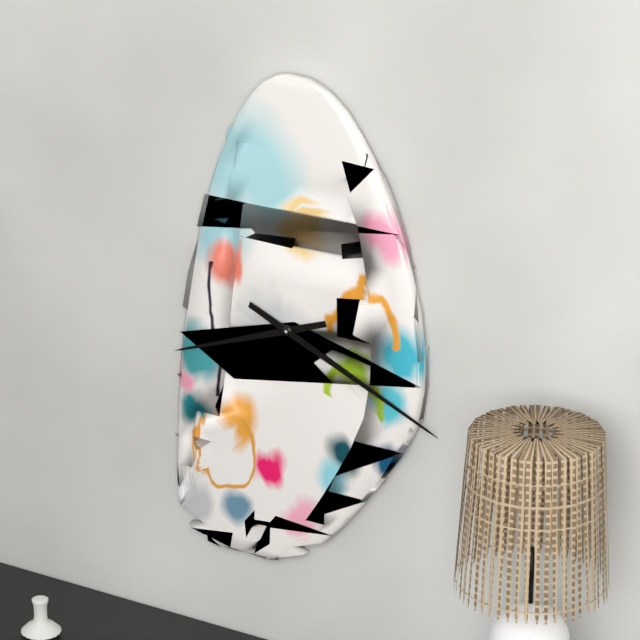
8:19
